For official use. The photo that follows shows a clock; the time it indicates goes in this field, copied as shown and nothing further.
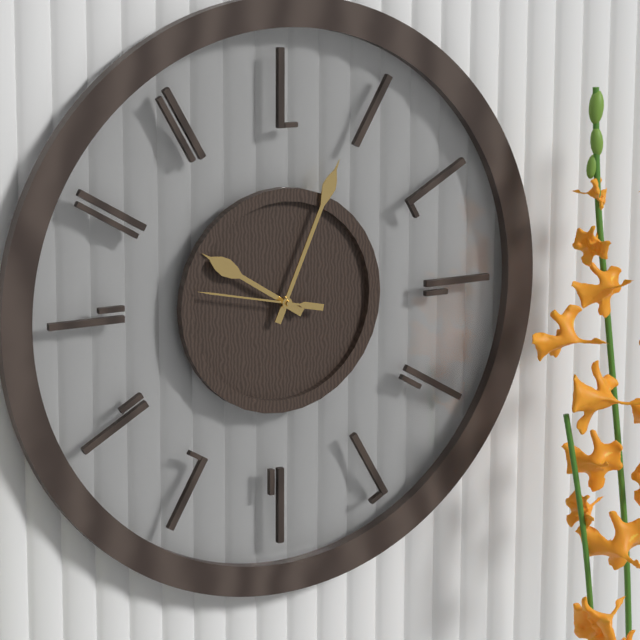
10:04:47
